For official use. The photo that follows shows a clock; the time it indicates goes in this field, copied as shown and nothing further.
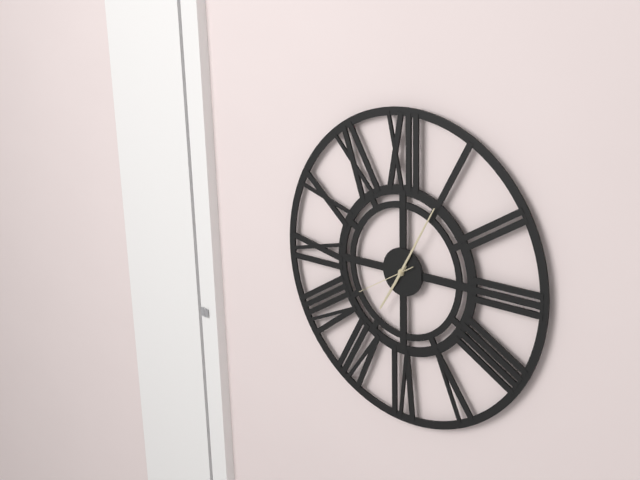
7:05:40
